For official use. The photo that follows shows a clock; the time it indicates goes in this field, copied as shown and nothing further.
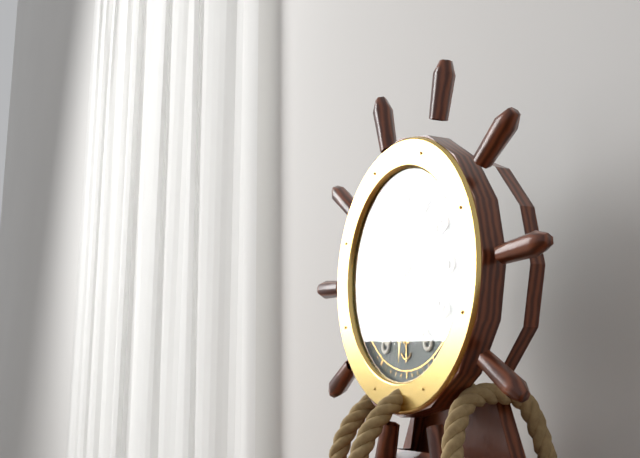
1:31
